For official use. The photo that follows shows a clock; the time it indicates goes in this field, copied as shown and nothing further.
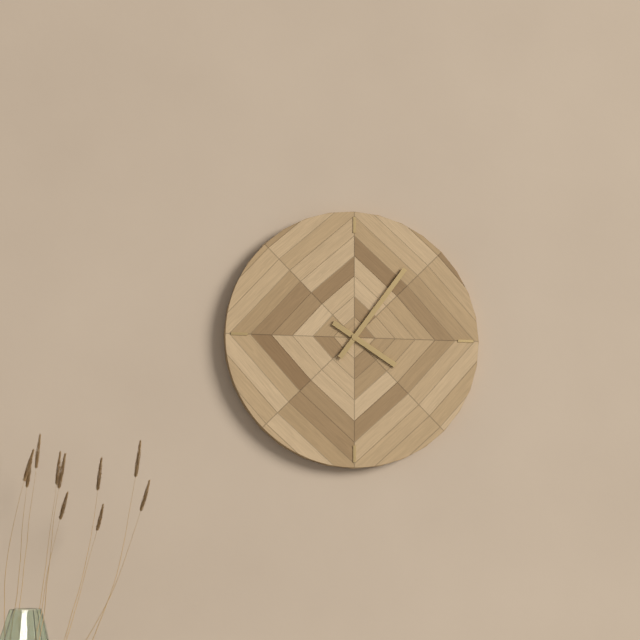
4:06
